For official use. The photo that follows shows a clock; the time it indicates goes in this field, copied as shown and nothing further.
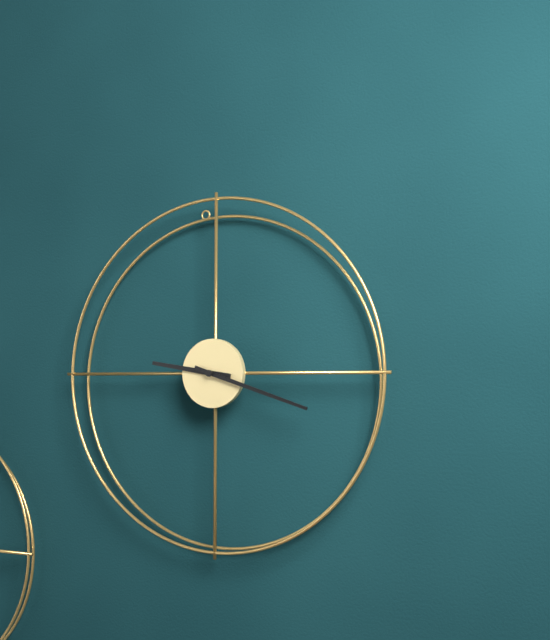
9:18
